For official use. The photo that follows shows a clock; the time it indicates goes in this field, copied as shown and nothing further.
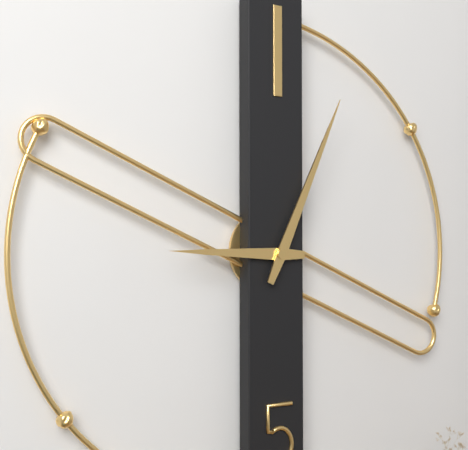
9:04
